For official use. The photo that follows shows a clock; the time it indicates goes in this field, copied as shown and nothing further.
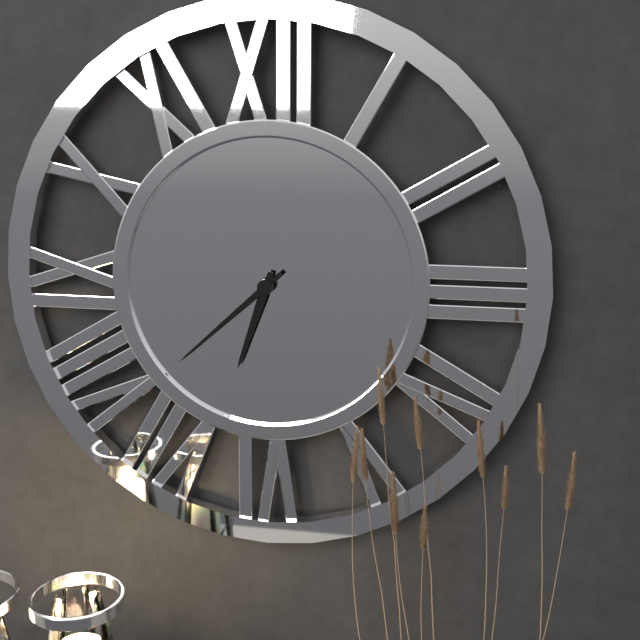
6:38
